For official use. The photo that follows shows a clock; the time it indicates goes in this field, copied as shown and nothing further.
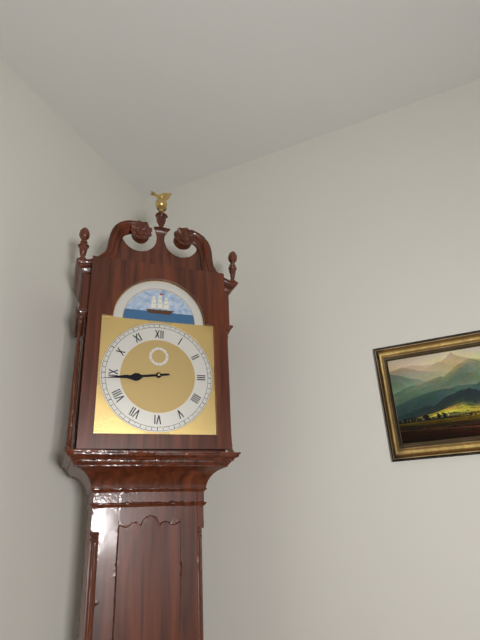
8:44
